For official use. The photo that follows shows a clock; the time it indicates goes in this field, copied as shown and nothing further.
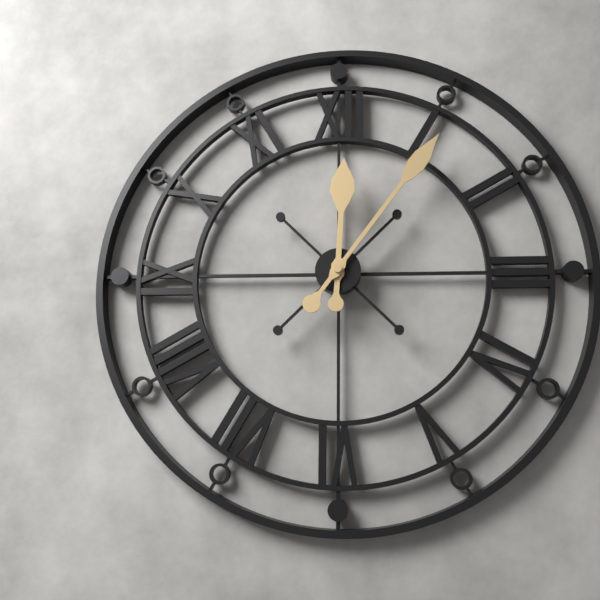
12:06
